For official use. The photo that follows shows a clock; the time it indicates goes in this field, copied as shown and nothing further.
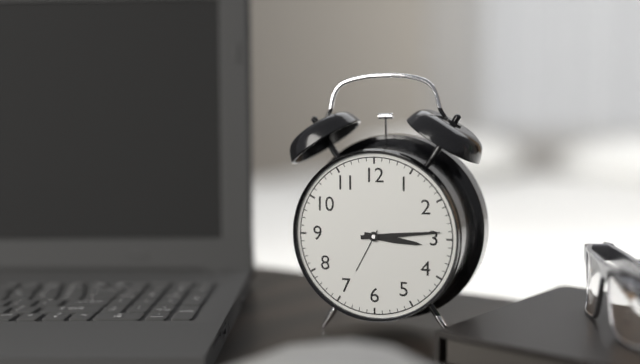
3:14
